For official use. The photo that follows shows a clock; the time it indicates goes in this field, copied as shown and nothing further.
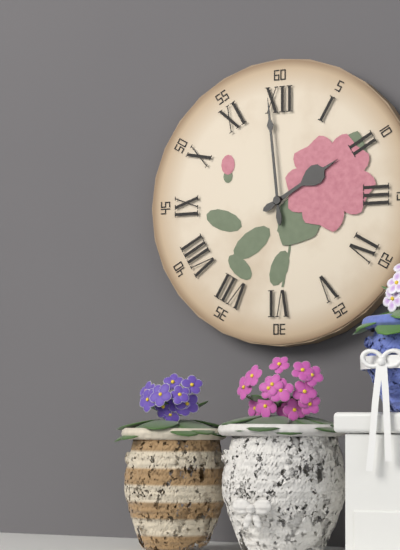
1:59
